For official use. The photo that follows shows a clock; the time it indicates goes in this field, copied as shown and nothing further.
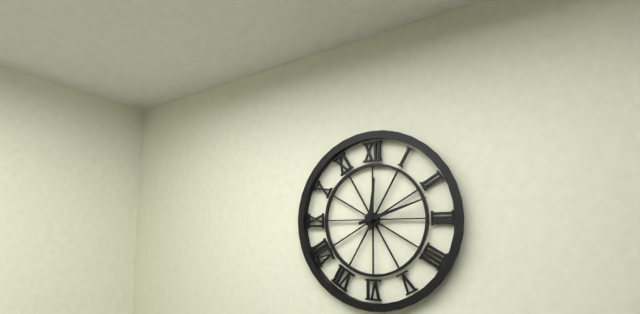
12:12
